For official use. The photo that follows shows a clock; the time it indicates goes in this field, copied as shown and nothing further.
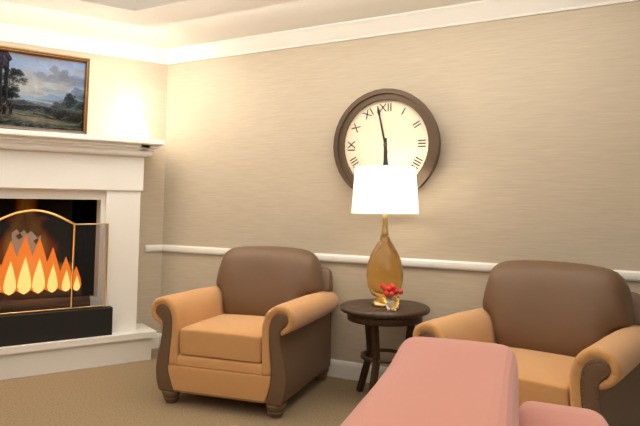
5:58
